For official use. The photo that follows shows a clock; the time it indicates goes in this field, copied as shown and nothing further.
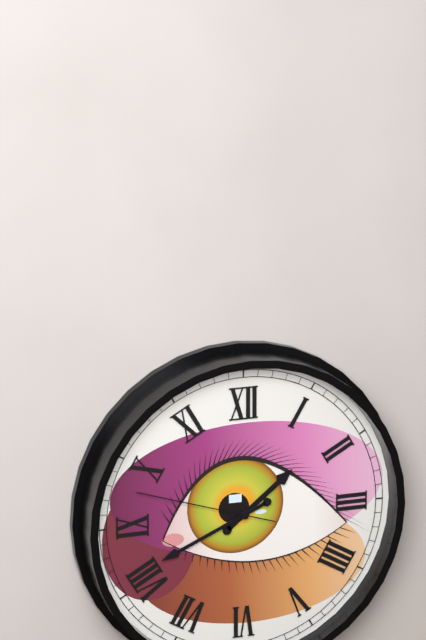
1:41:48
